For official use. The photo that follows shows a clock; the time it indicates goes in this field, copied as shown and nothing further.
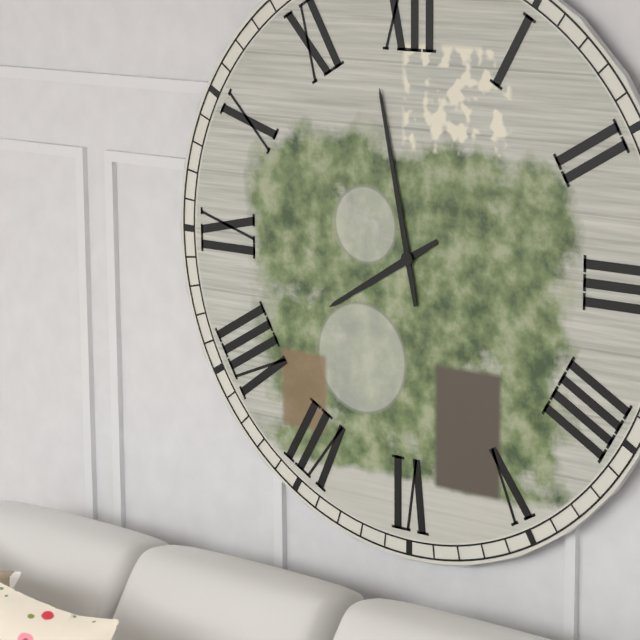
7:58
